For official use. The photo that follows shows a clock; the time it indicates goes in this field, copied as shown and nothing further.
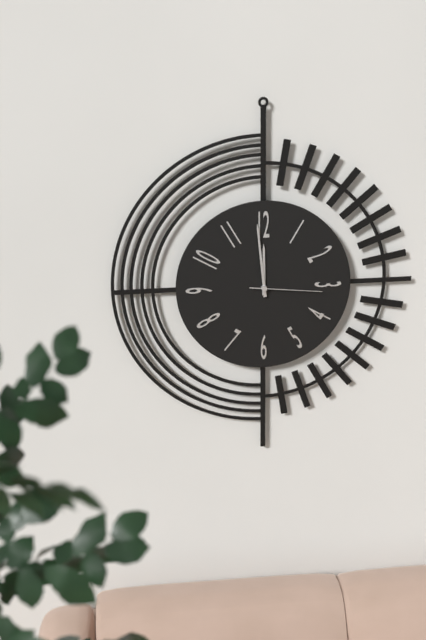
11:59:16
